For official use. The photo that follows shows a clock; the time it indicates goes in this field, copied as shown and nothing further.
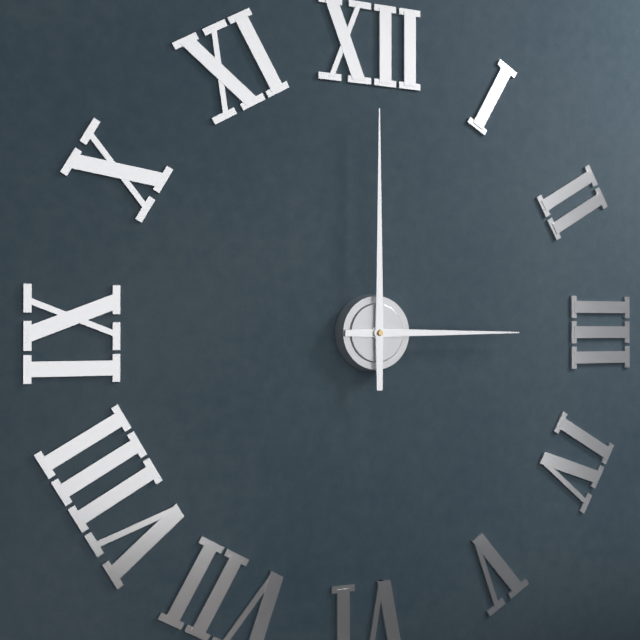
3:00
